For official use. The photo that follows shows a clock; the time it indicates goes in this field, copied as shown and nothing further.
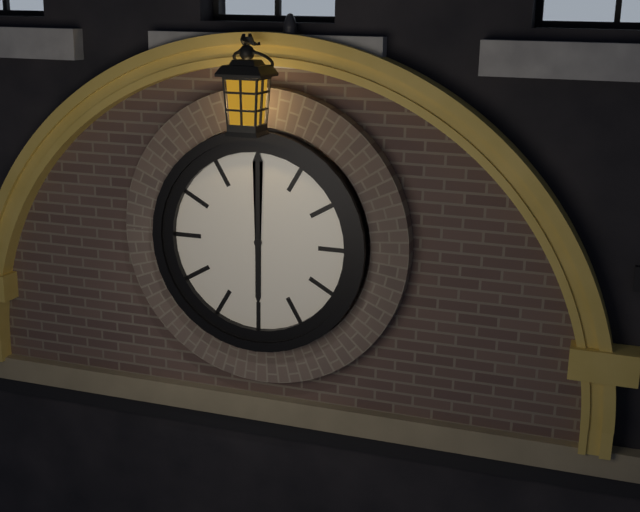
6:00
